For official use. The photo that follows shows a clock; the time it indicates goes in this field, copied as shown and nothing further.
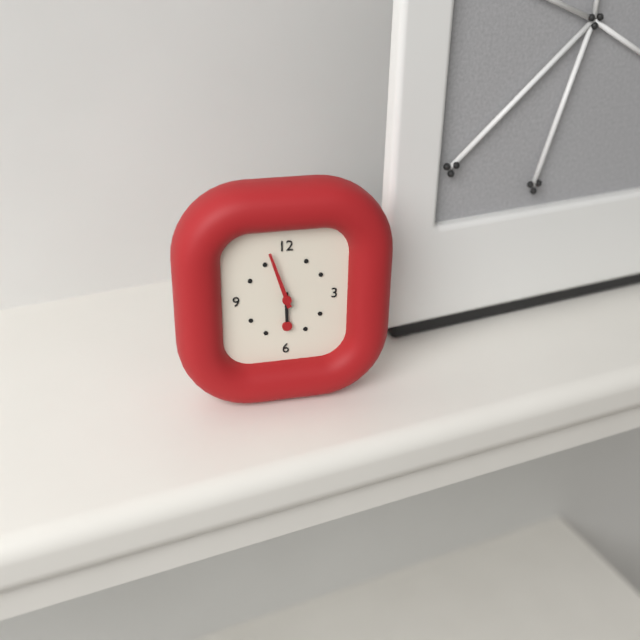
5:57
